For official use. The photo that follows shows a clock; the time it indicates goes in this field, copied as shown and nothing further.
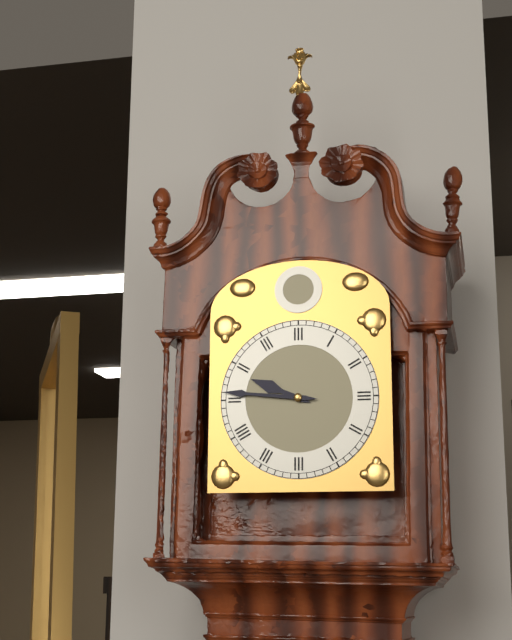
9:46
